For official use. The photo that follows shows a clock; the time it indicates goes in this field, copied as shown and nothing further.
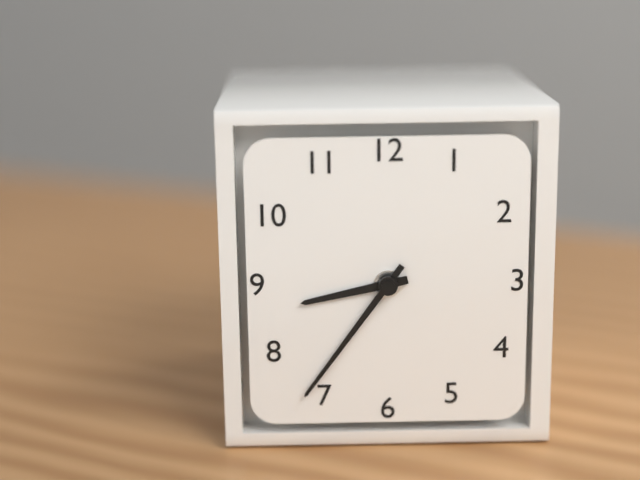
8:36
